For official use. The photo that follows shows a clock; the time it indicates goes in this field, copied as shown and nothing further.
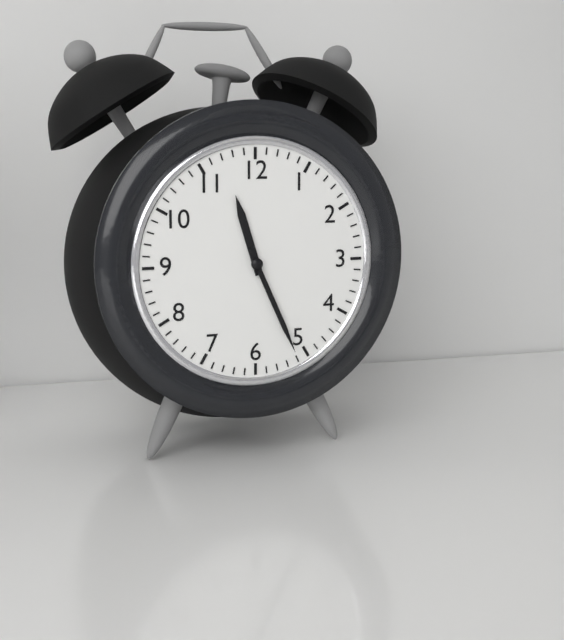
11:26
